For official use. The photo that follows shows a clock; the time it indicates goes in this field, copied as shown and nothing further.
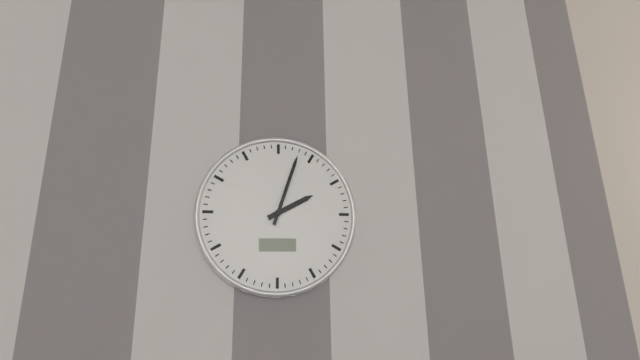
2:03
